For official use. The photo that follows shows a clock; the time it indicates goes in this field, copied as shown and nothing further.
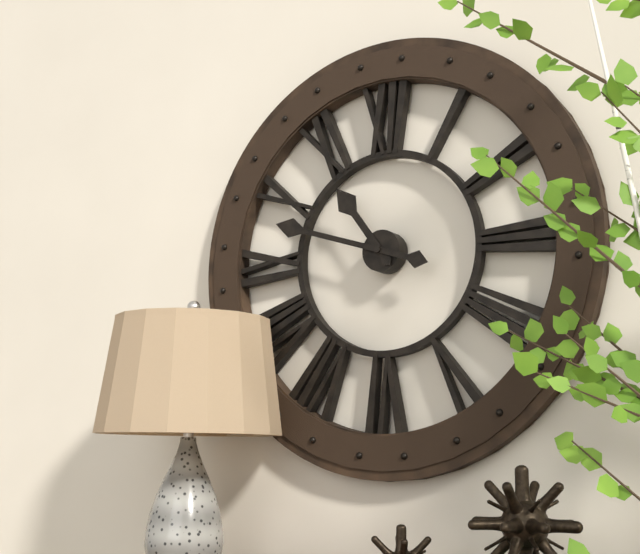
10:48
